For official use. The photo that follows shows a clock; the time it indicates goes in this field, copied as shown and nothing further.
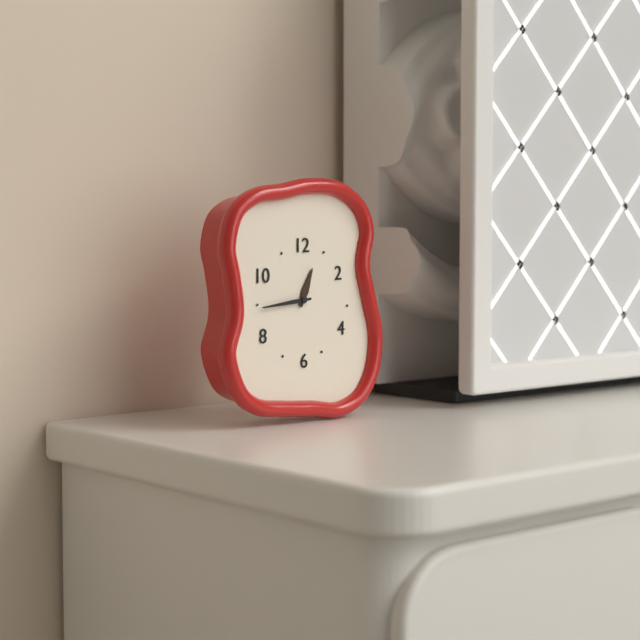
12:44
